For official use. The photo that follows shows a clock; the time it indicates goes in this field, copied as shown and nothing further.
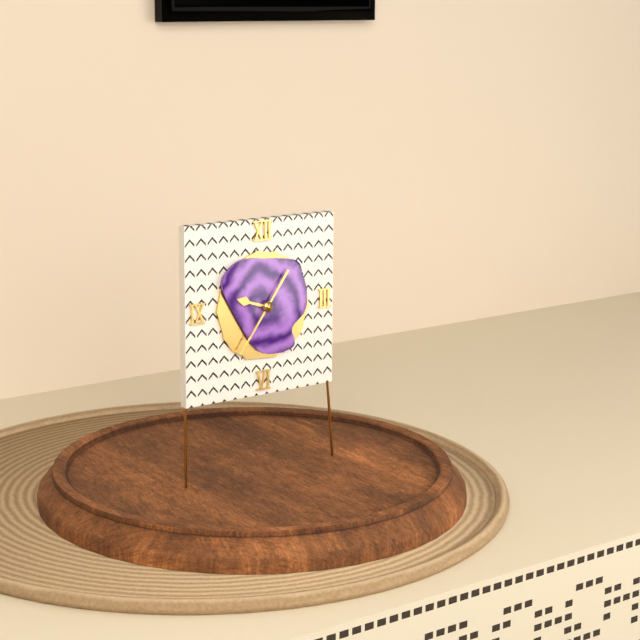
9:36
